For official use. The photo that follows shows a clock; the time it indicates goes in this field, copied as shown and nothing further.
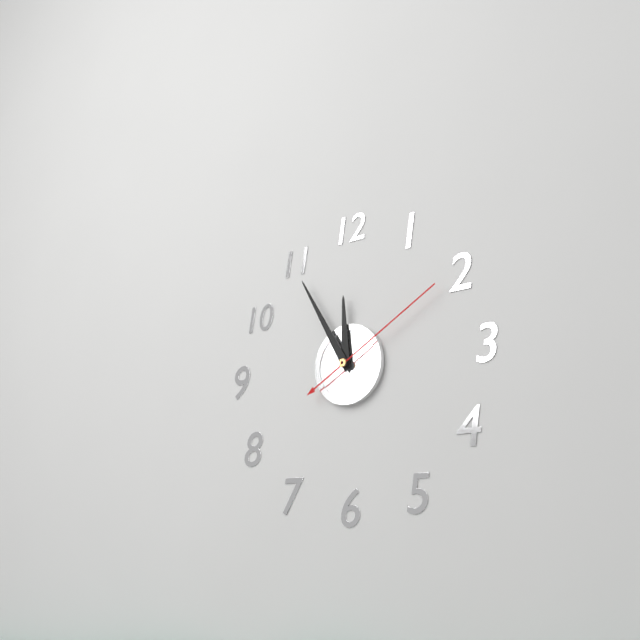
11:55:10
